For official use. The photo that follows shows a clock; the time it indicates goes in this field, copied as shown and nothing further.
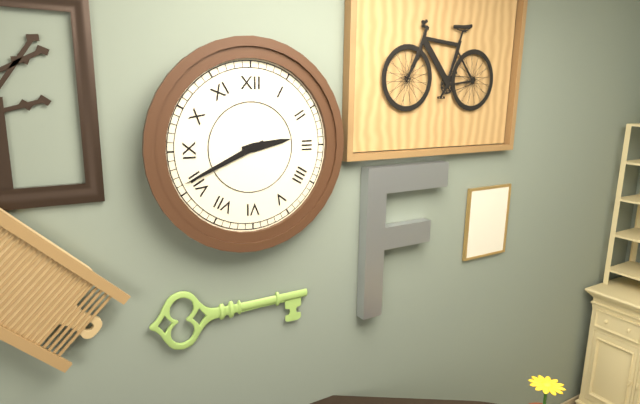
2:41
